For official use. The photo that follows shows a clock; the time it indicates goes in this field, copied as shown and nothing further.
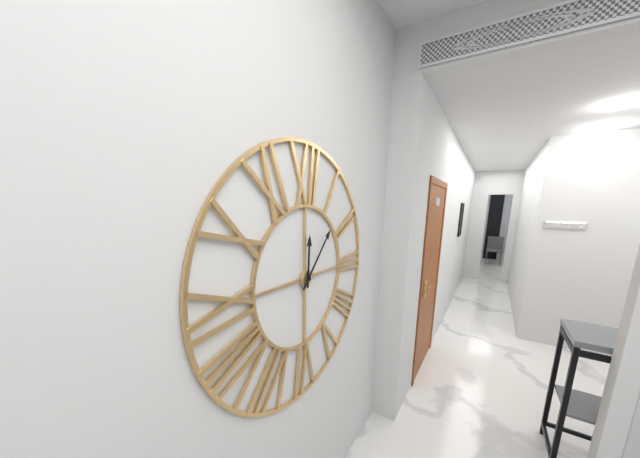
12:07
